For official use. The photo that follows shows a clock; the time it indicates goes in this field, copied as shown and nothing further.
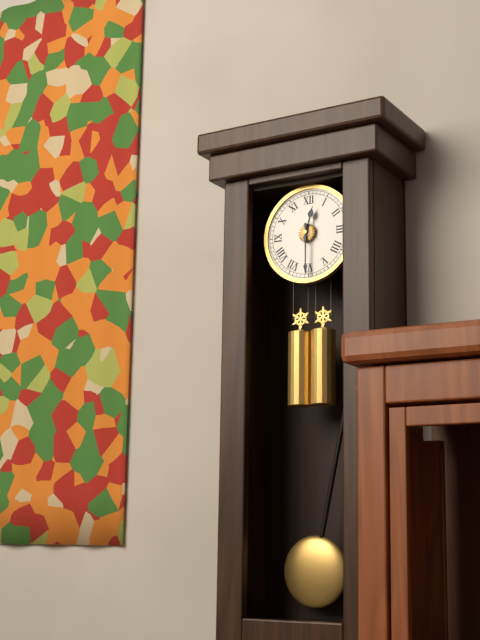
12:30
